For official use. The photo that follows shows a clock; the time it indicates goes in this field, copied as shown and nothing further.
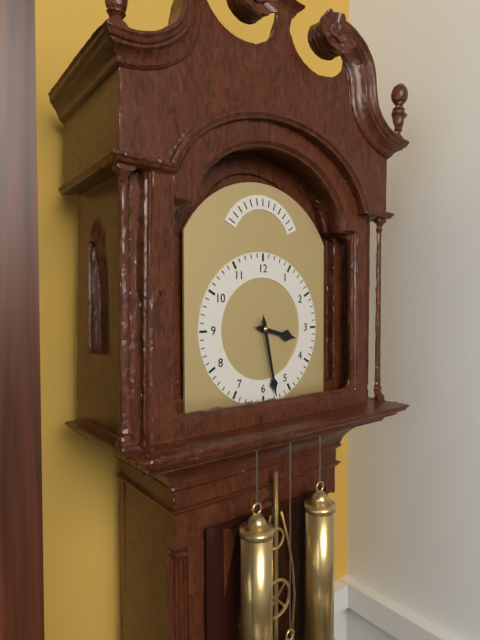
3:28
